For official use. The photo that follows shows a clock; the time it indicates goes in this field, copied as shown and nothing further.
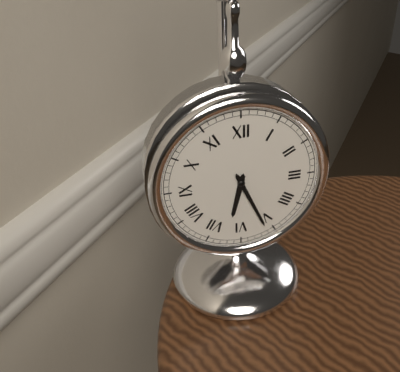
6:26
